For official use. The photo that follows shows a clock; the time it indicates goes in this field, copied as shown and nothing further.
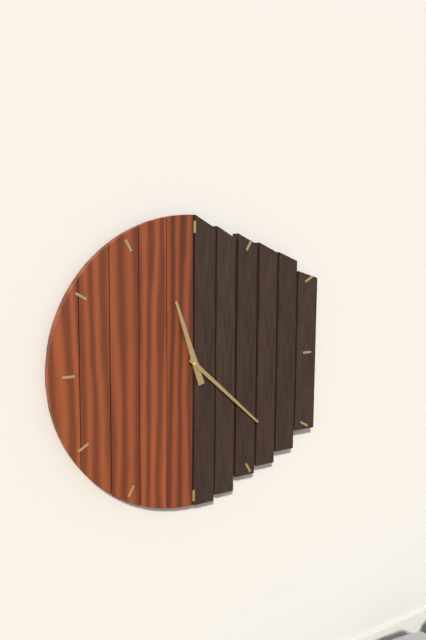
11:22
